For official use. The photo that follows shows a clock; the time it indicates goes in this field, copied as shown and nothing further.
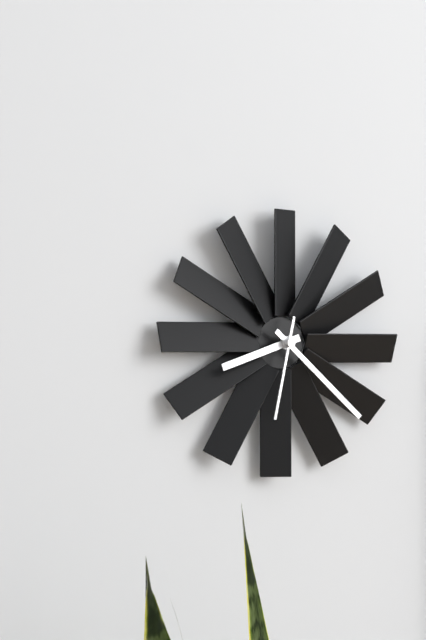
8:22:32
